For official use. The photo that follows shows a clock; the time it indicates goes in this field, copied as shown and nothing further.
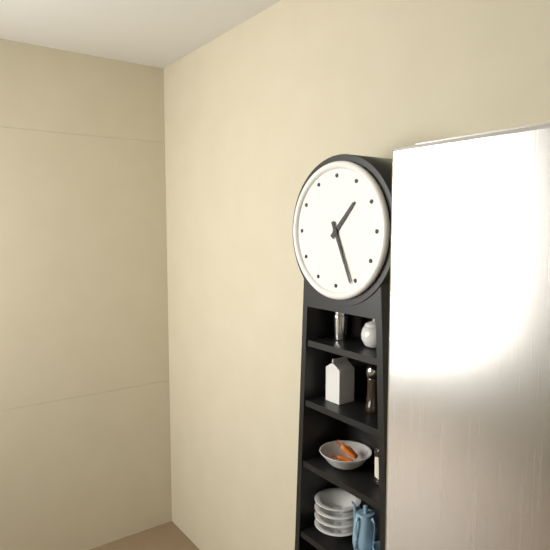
1:26
